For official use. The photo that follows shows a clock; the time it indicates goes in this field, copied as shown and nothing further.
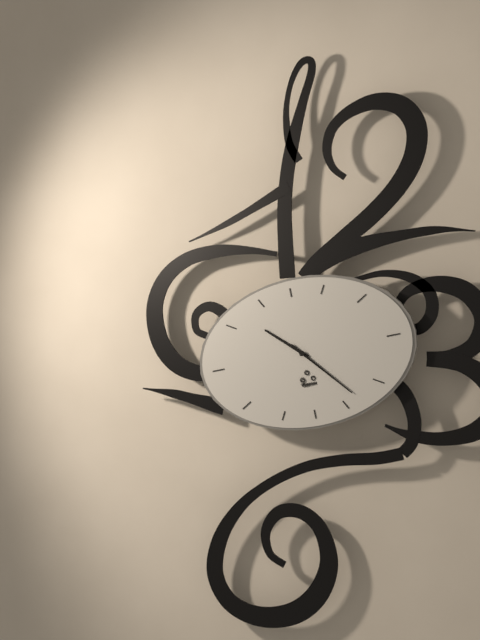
10:23
